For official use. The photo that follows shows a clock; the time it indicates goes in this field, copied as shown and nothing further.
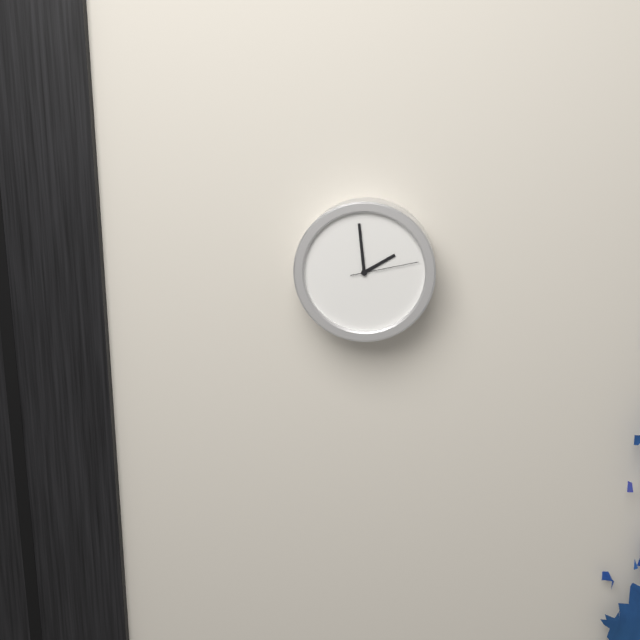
1:59:13
